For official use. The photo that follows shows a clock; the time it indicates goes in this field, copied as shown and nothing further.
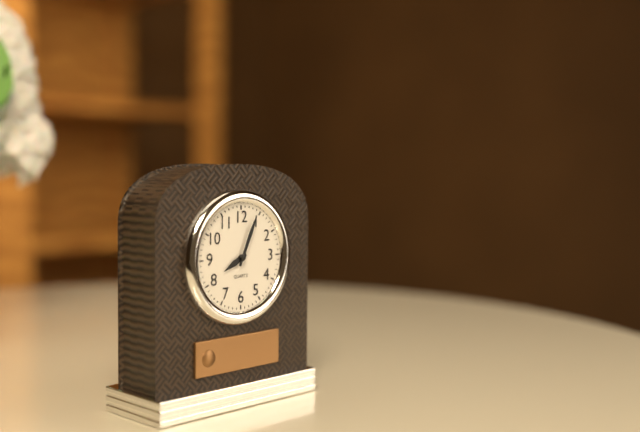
8:04
